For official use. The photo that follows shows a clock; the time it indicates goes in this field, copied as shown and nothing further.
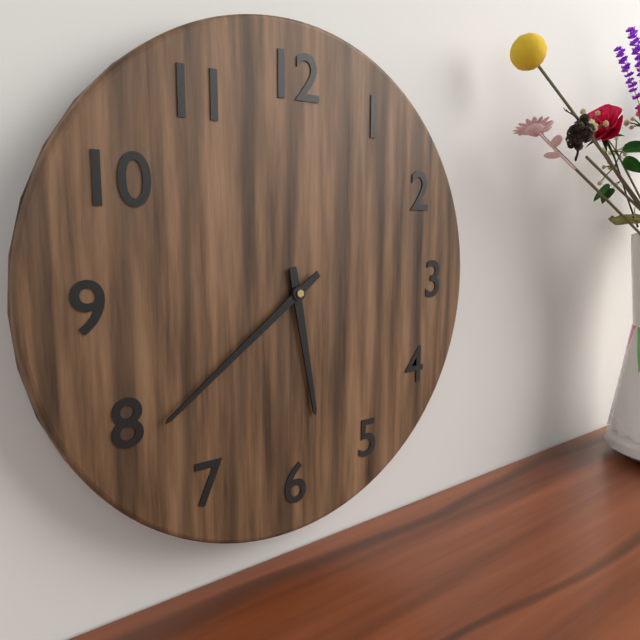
5:39
